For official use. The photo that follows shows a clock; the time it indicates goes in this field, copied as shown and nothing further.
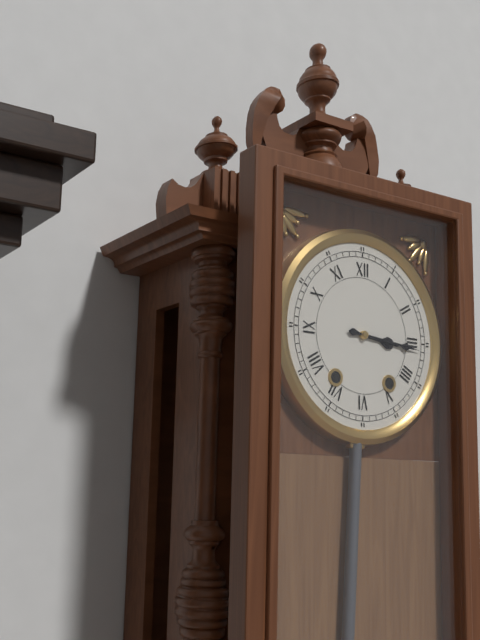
3:16
